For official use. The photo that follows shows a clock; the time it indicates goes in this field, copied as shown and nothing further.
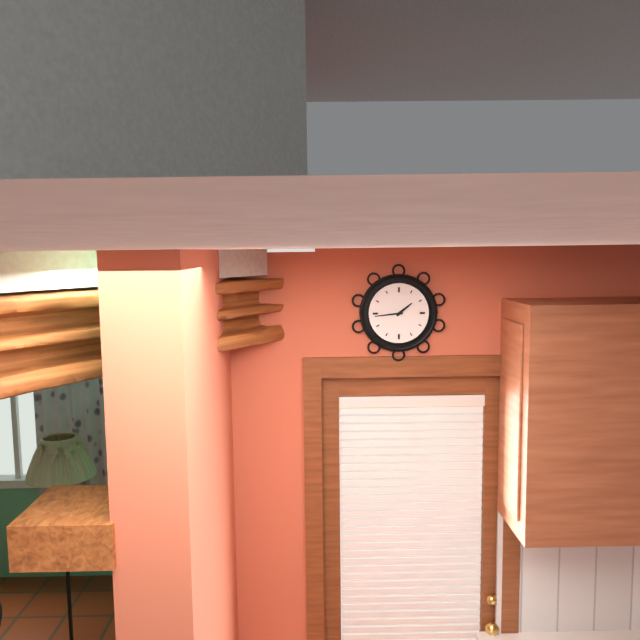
1:44
